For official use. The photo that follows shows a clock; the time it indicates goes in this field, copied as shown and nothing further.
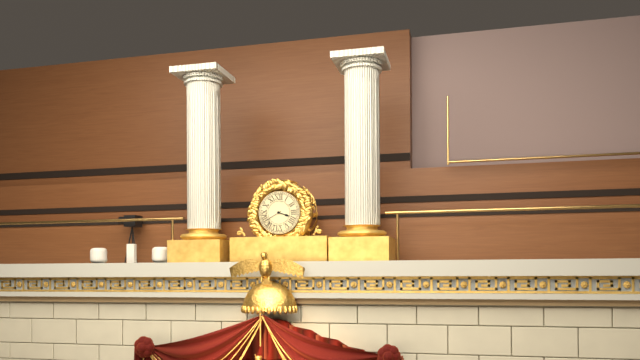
3:40
